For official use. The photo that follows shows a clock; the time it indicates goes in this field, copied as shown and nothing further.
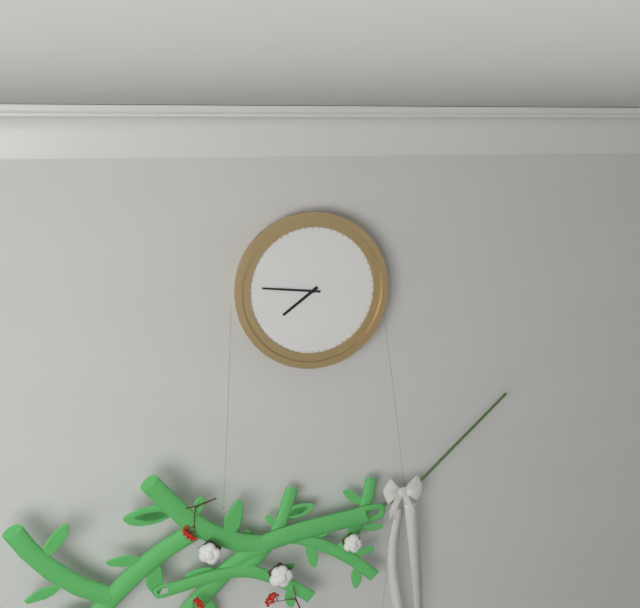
7:46
